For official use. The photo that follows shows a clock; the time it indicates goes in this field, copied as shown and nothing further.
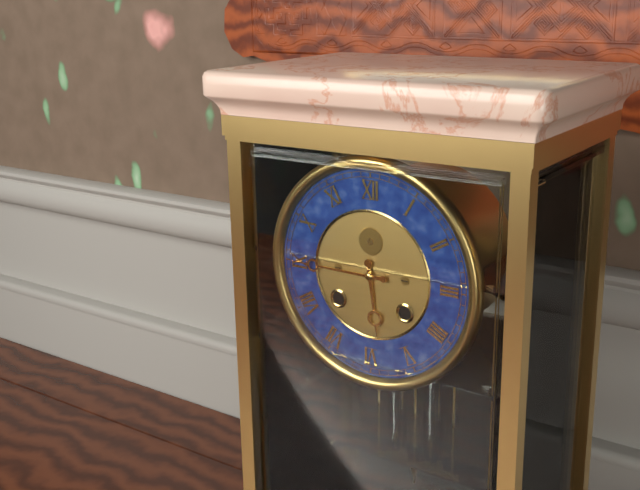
5:45
